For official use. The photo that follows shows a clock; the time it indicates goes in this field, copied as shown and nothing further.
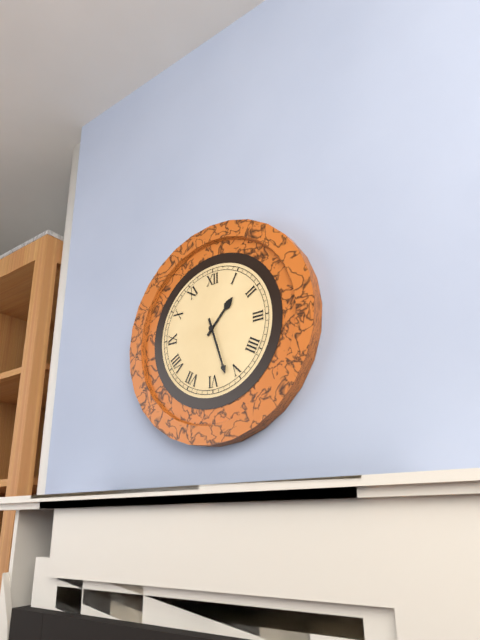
1:27
